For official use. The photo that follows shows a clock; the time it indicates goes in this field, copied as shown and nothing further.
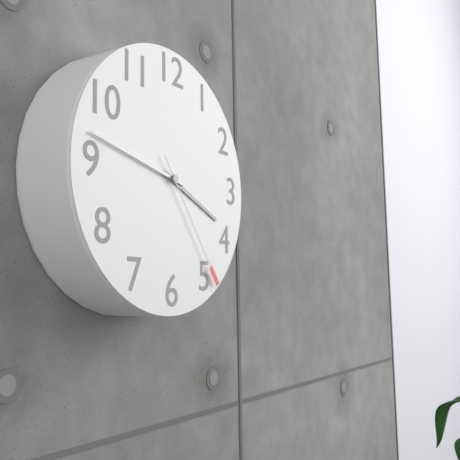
3:47:24
